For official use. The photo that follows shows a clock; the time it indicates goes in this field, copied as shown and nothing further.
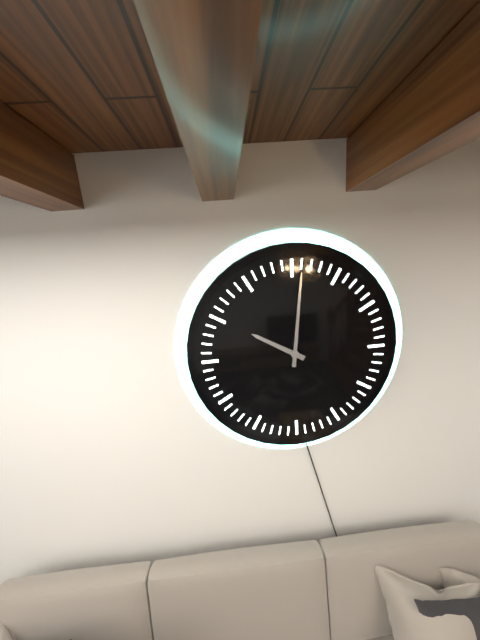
10:01
